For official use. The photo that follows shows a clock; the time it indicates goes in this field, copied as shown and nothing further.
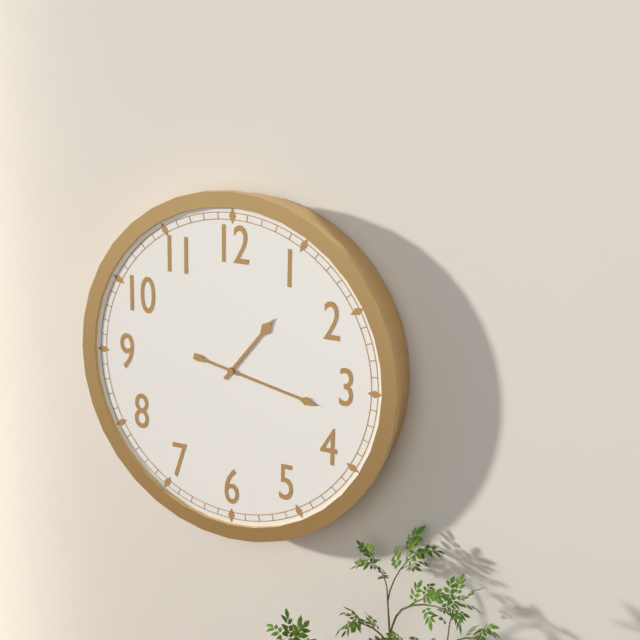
1:17
